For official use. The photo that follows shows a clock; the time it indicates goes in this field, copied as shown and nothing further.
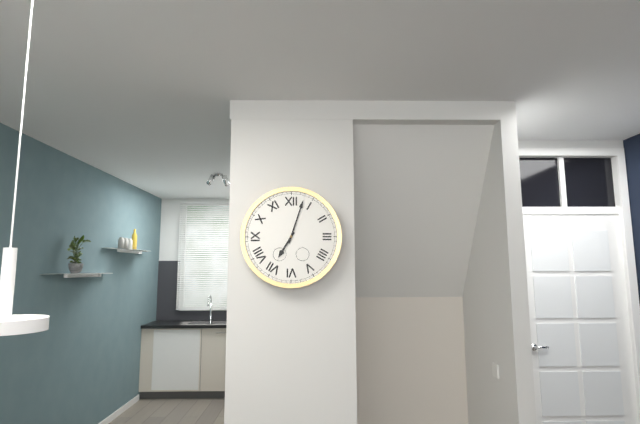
7:03
